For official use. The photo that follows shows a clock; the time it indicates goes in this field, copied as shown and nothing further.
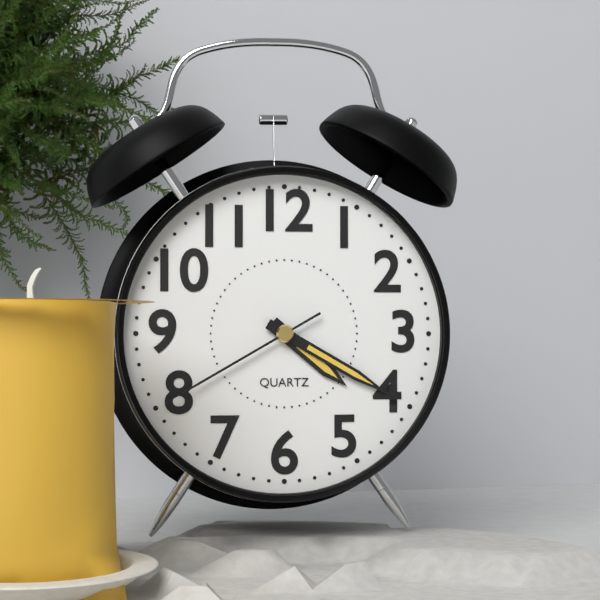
4:20:40
